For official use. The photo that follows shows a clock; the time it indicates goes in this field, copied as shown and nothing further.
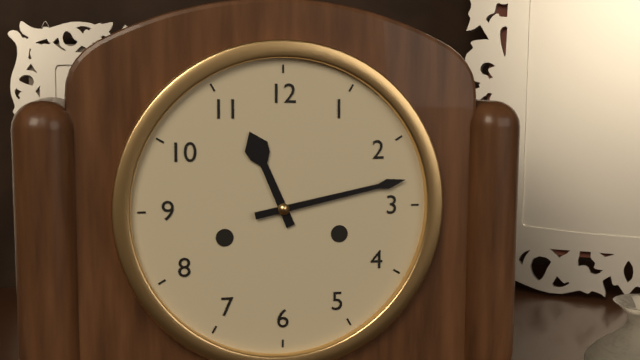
11:13
